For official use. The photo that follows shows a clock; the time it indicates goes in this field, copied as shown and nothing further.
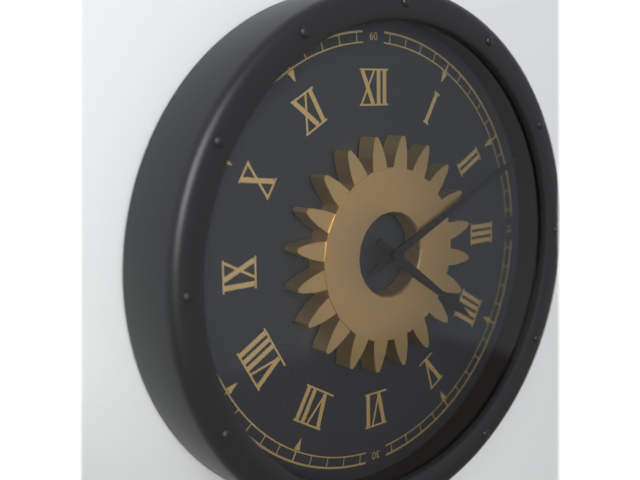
4:11
